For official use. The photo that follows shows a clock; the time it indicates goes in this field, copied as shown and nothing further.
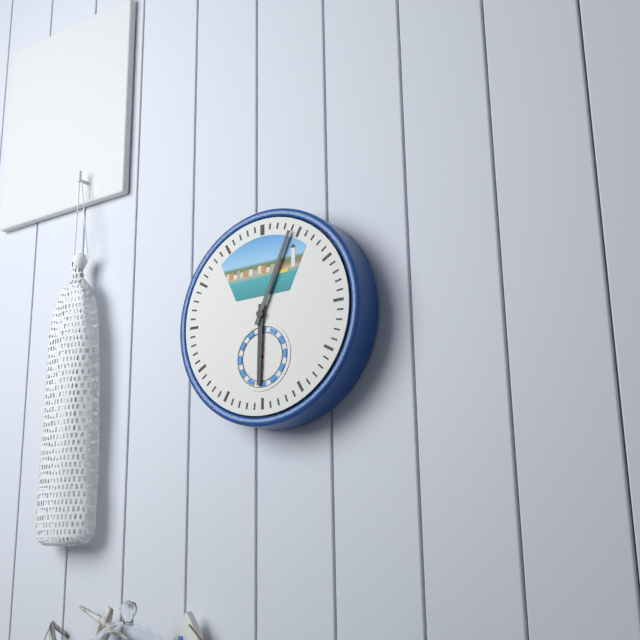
6:04
